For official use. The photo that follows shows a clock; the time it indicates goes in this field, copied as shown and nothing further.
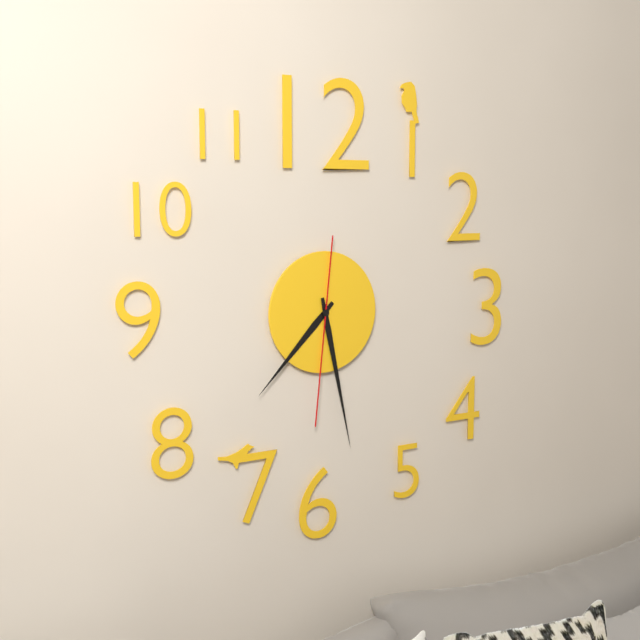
7:28:31
